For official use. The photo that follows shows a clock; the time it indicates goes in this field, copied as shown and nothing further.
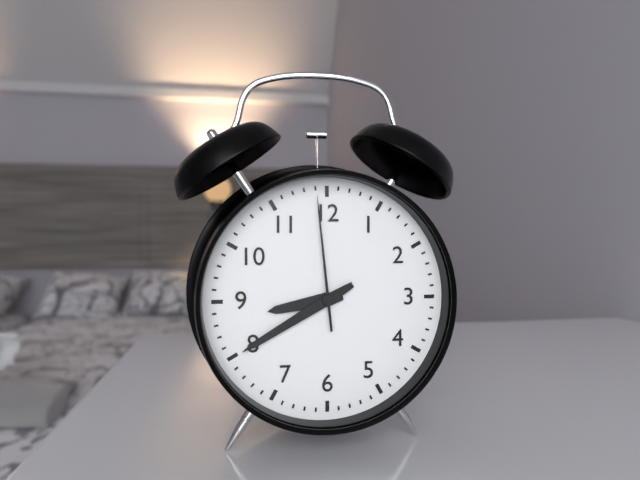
8:40:59
